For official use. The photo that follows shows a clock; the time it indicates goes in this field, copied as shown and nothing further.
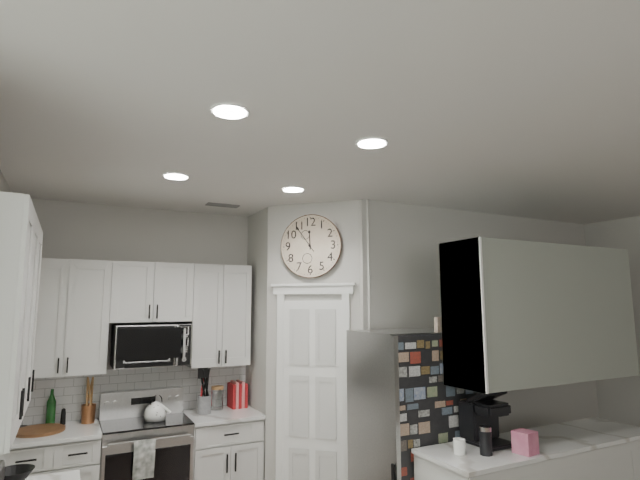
11:54
